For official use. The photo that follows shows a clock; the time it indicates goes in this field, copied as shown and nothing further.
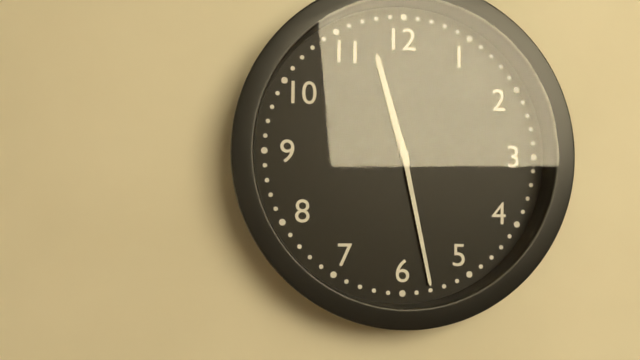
11:28
